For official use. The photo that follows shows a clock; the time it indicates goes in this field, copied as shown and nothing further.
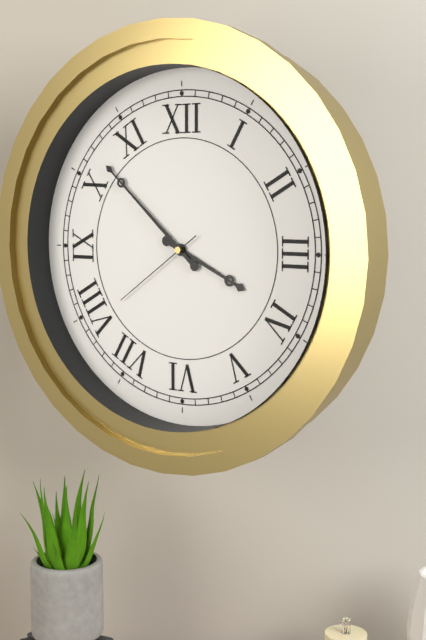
3:52:39
